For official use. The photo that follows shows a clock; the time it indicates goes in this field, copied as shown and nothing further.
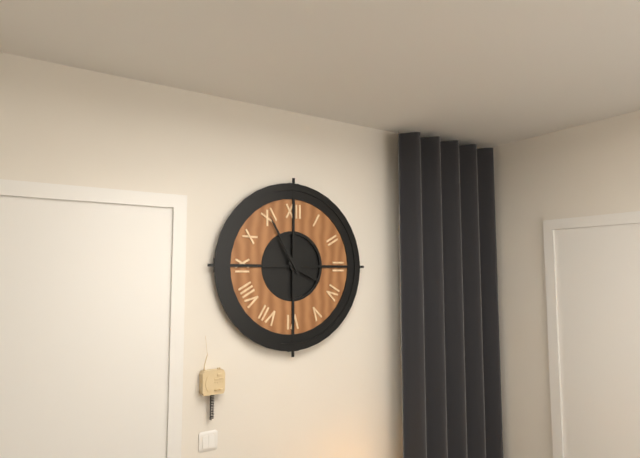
3:55
